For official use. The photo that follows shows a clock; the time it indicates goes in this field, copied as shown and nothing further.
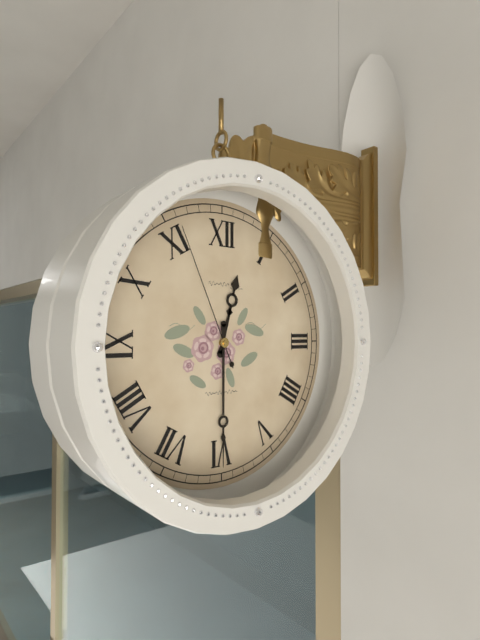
12:30:56
